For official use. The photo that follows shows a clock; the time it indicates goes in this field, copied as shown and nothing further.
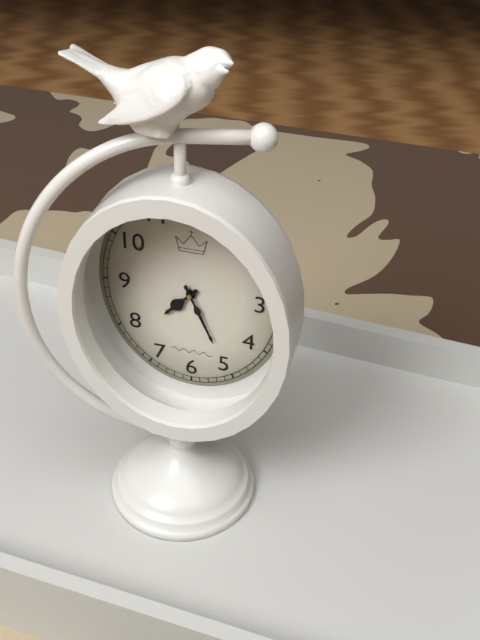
7:26
